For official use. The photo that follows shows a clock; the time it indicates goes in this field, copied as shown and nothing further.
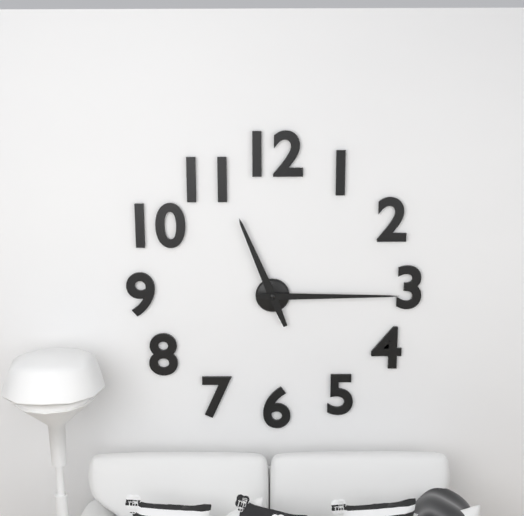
11:15
